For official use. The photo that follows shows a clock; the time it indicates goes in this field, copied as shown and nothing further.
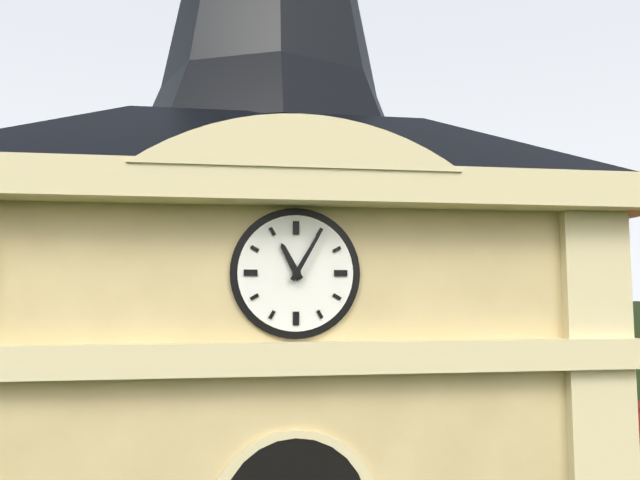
11:05
